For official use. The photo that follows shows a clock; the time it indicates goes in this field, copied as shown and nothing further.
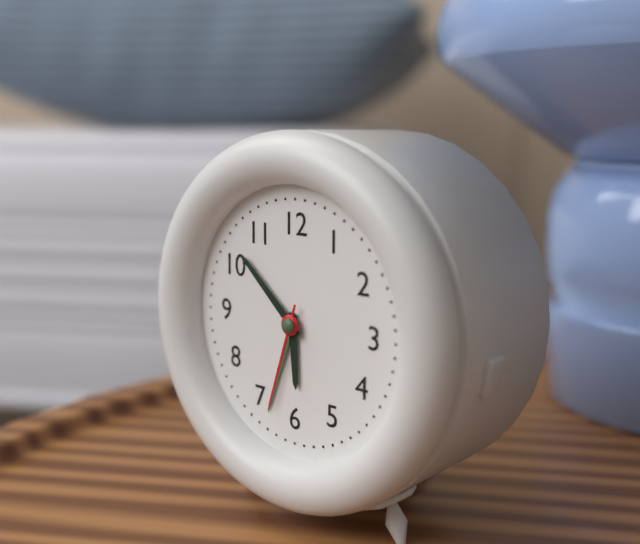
5:52:33
